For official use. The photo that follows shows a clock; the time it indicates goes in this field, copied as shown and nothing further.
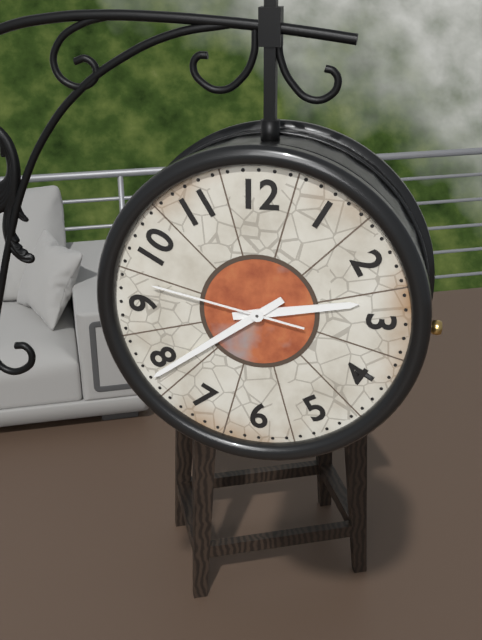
2:39:47
